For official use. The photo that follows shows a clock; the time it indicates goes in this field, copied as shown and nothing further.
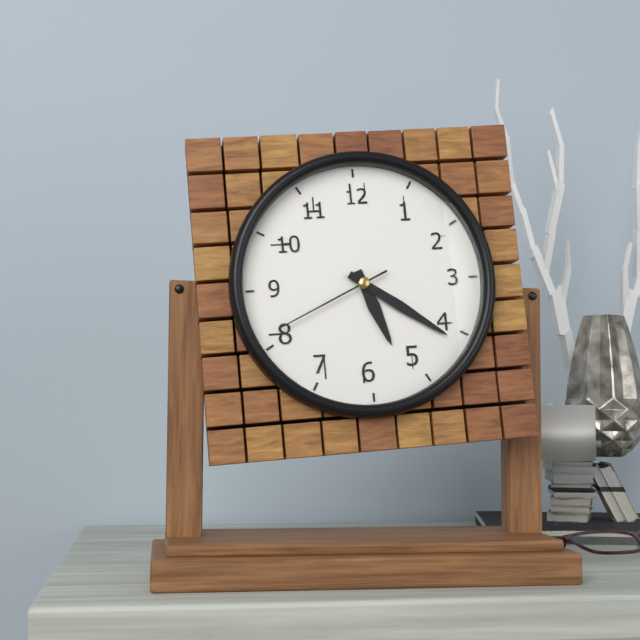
5:21:41
